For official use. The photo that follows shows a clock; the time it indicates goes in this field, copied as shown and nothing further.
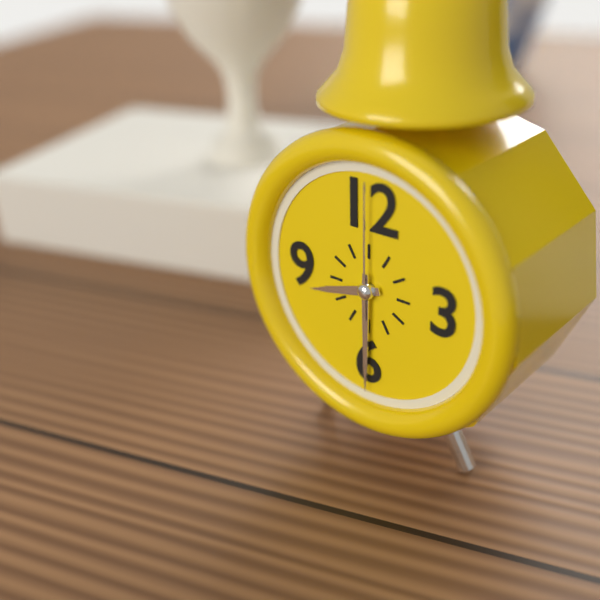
8:30:00
